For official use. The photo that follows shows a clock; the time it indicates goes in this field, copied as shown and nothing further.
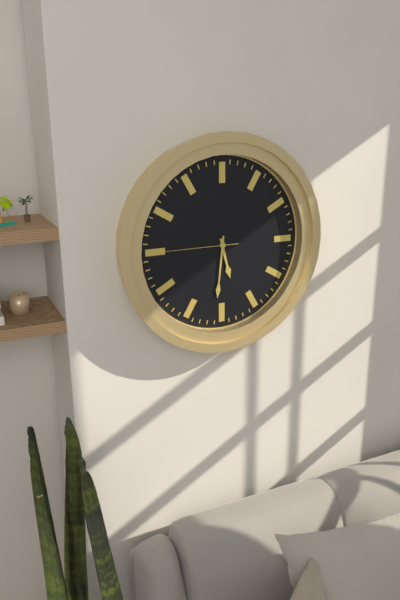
5:31:45
